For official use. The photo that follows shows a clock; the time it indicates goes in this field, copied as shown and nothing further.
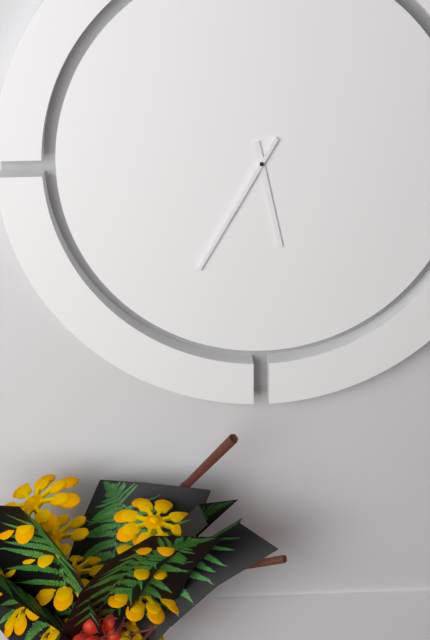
5:35
